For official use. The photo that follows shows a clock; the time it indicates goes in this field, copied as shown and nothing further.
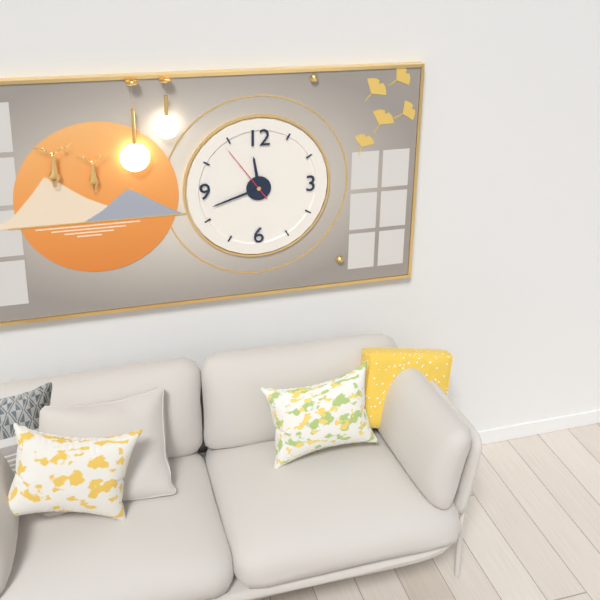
11:42:54
